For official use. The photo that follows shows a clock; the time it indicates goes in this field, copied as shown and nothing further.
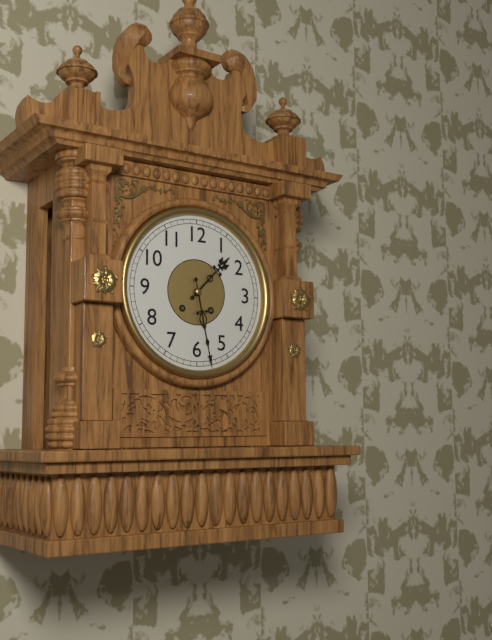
1:28
